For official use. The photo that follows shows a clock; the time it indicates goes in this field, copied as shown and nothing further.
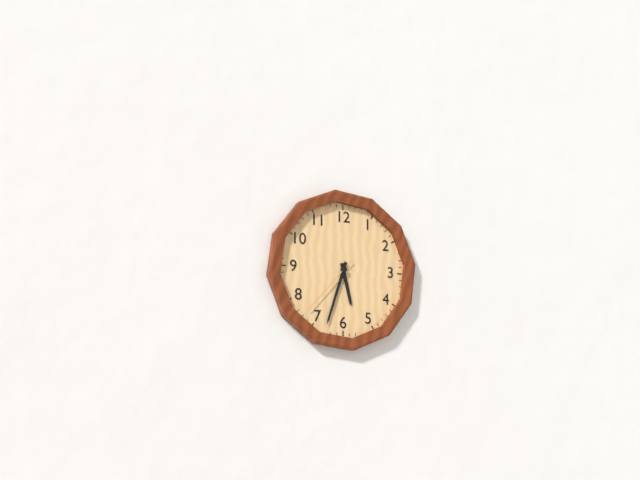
5:33:37
